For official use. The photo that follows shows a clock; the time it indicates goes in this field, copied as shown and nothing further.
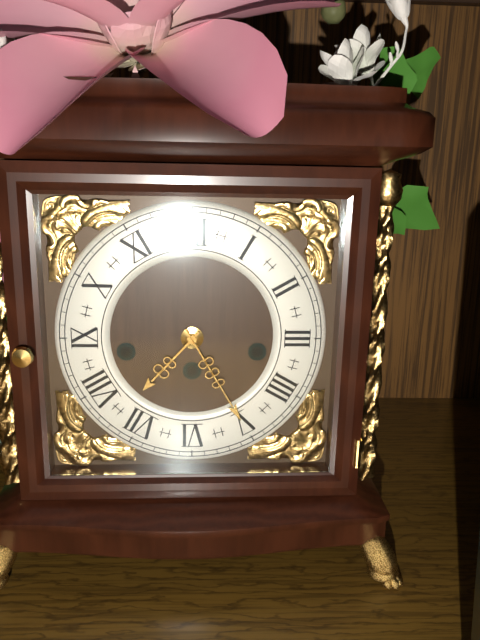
7:25
